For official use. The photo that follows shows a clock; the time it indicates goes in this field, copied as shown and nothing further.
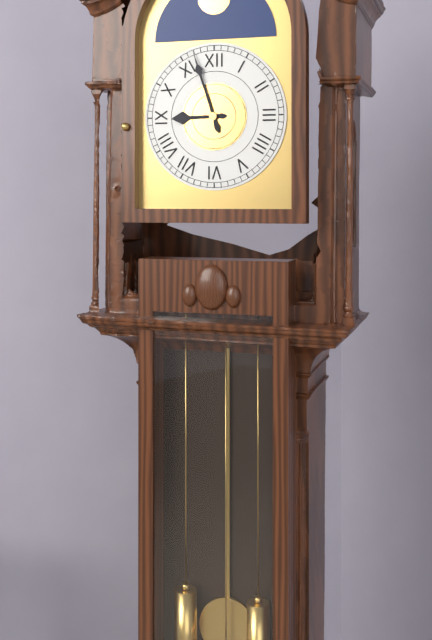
8:57
